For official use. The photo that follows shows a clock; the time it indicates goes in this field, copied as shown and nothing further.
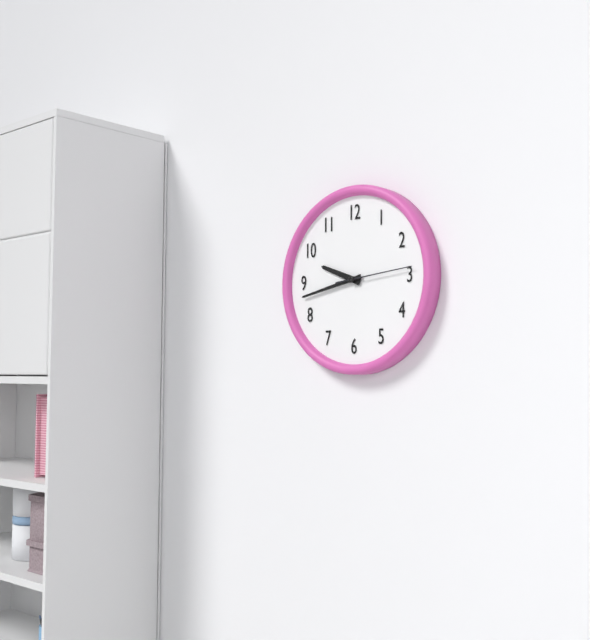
9:43:14
